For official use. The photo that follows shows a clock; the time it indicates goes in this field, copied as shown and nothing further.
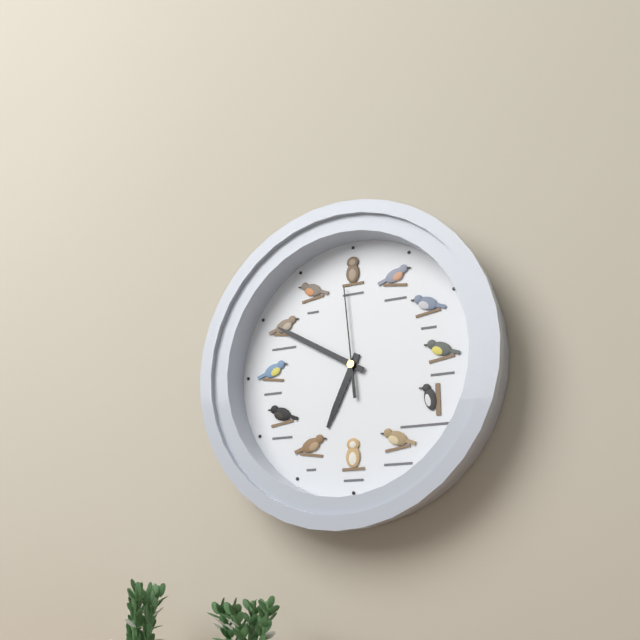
6:50:59
